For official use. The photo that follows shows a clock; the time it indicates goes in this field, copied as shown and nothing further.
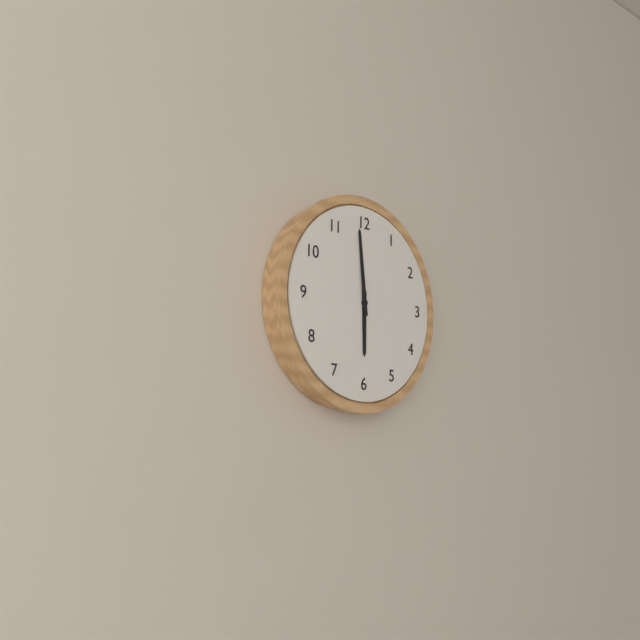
5:59
